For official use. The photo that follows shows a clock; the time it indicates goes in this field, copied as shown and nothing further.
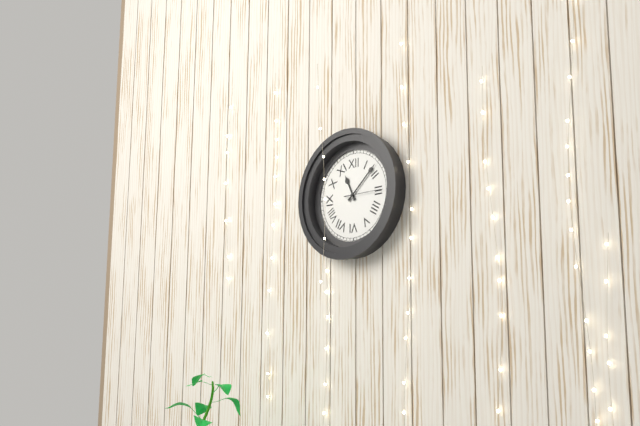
11:08
